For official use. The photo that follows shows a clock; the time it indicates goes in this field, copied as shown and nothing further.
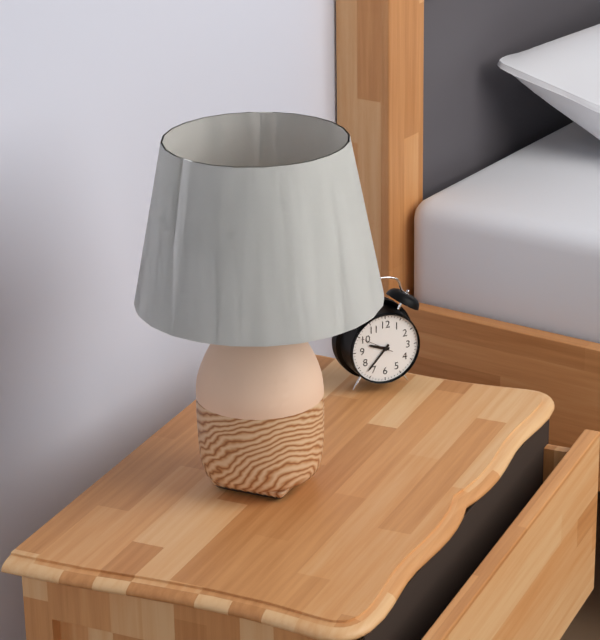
9:37
